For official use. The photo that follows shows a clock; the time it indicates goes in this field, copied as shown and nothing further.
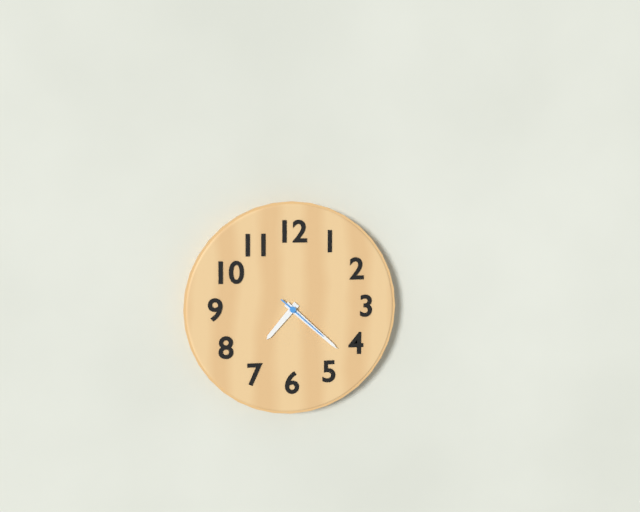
7:22:22
